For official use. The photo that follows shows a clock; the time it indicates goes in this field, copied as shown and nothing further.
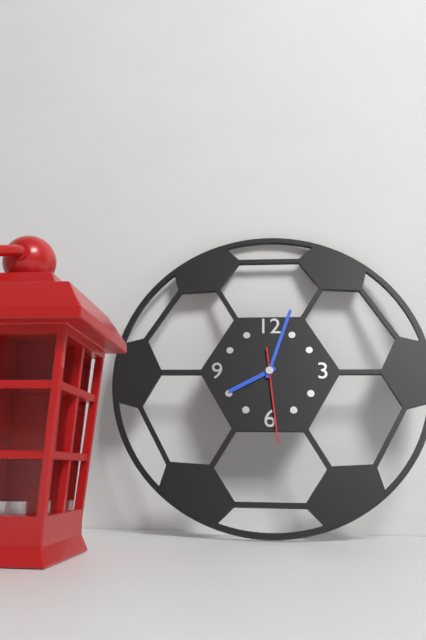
8:03:29
